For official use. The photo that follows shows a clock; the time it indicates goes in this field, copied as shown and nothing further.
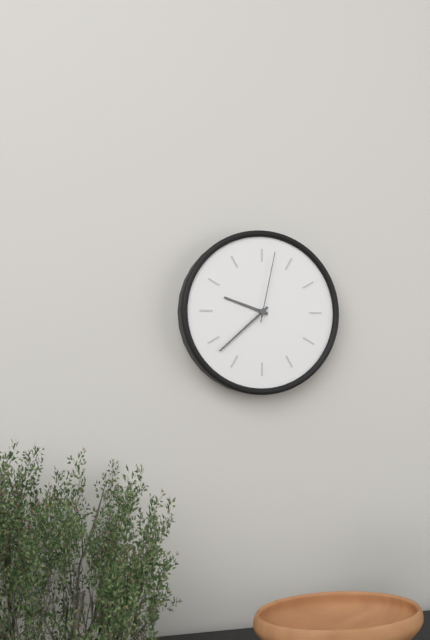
9:38:02
